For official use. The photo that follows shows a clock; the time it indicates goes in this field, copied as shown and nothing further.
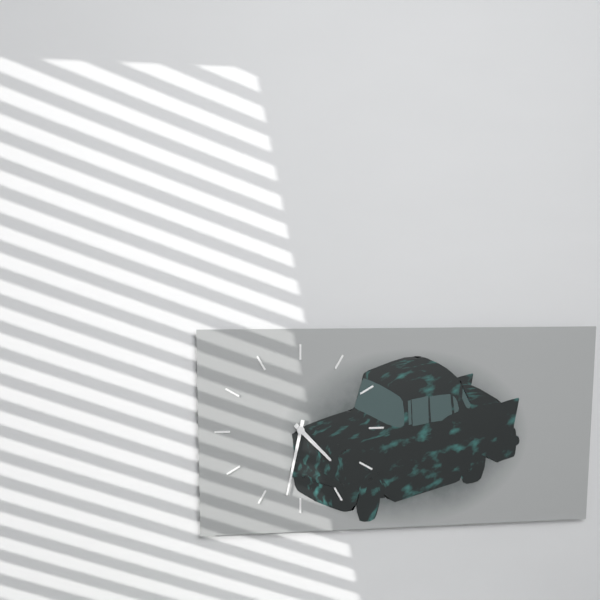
4:32
